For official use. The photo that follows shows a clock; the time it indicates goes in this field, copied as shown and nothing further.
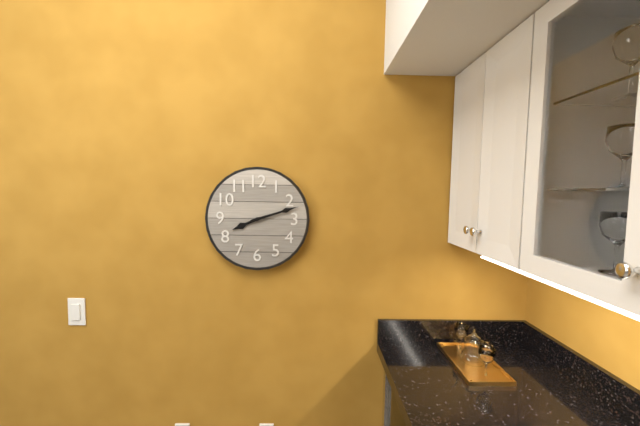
8:12
